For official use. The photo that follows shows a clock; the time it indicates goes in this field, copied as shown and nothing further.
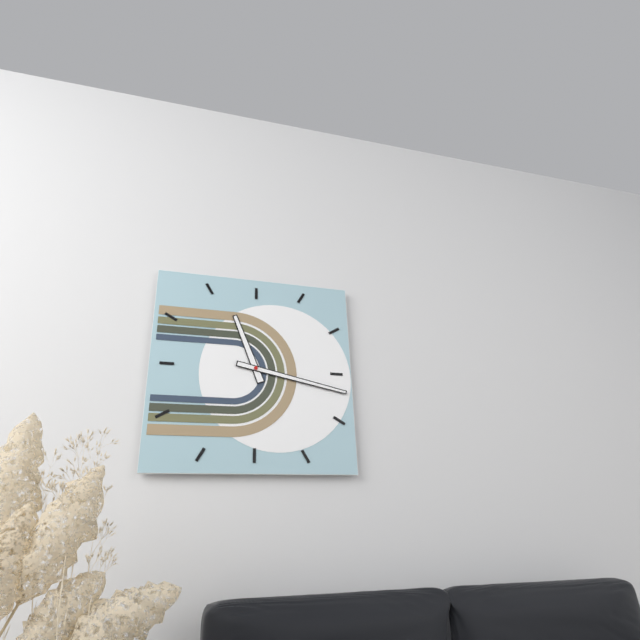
11:17
